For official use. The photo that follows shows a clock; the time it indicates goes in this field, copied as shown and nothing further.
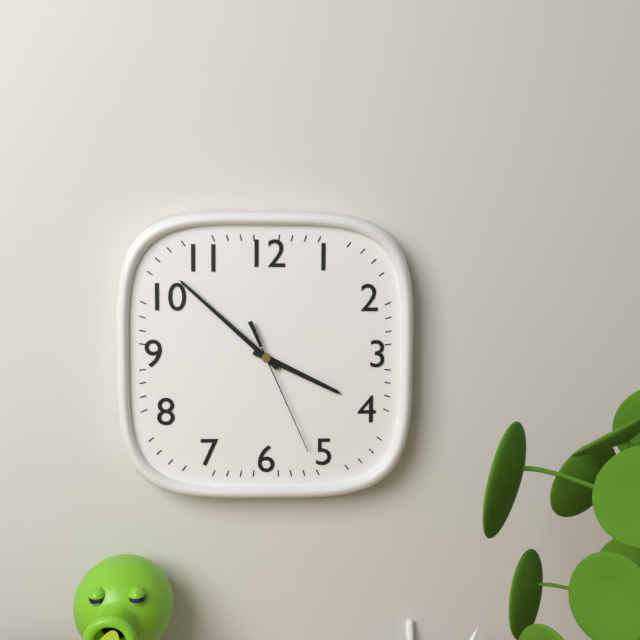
3:52:26
